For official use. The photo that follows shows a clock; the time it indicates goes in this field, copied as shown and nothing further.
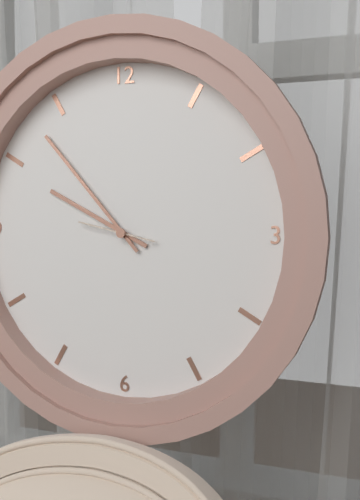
9:53:47
